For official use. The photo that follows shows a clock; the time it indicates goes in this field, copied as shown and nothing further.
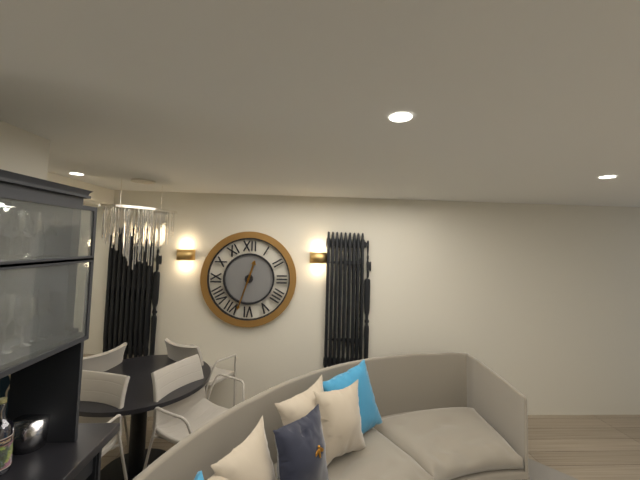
12:33
